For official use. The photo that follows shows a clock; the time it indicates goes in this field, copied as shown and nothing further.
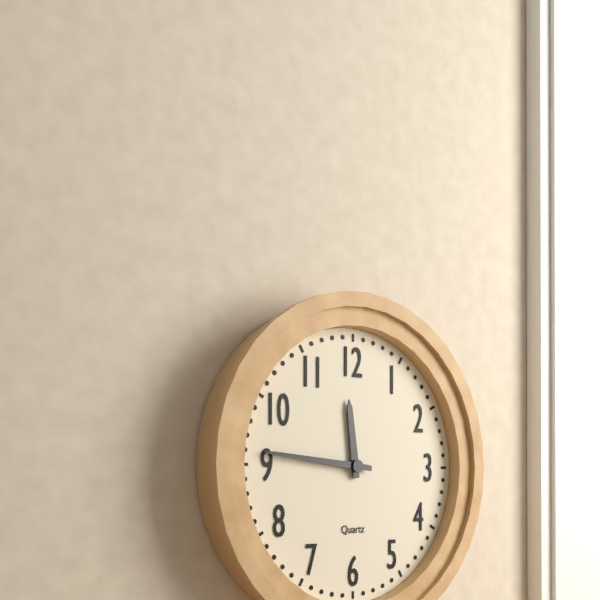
11:46
